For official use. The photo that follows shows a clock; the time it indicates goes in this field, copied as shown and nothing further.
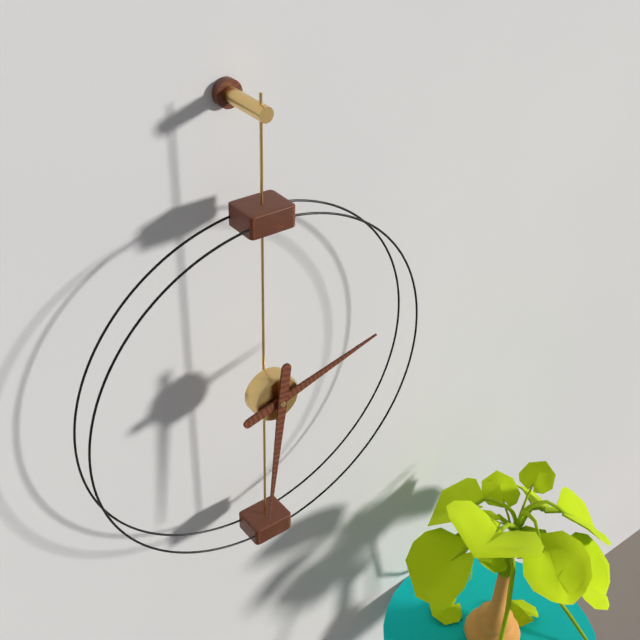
2:31
